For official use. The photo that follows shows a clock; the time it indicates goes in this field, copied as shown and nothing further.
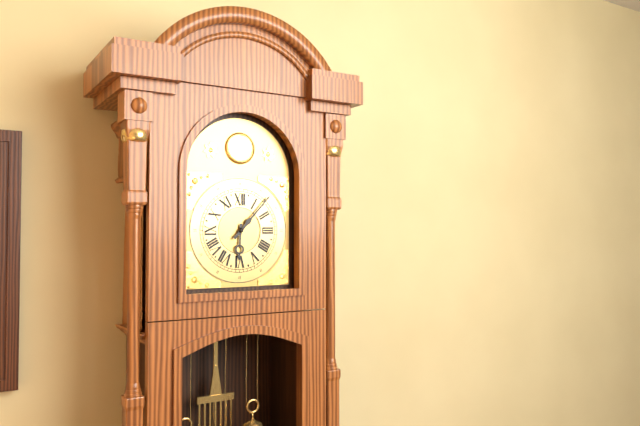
6:07
